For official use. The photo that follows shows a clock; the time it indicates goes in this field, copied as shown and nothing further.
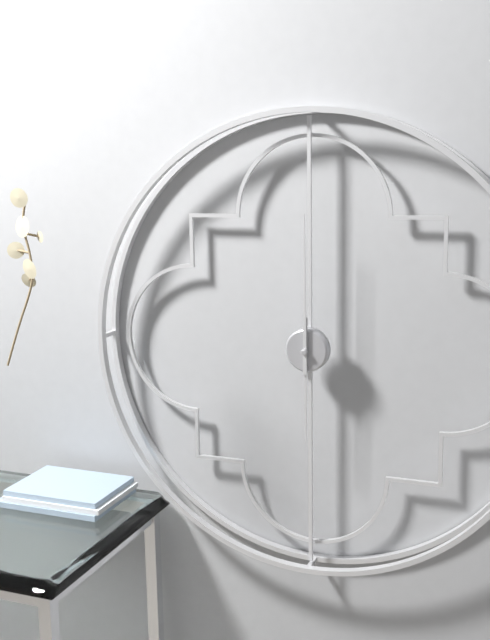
6:00
